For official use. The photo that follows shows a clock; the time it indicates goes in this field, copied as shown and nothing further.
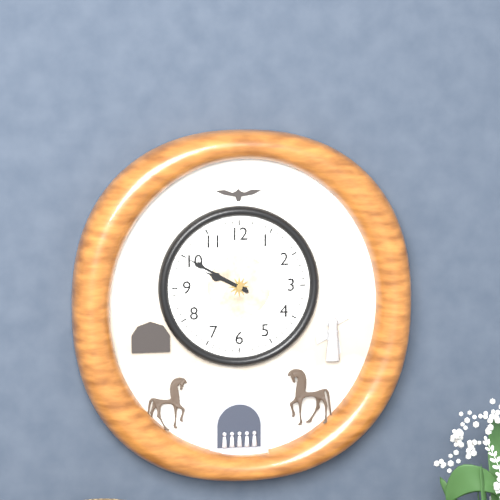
9:50
